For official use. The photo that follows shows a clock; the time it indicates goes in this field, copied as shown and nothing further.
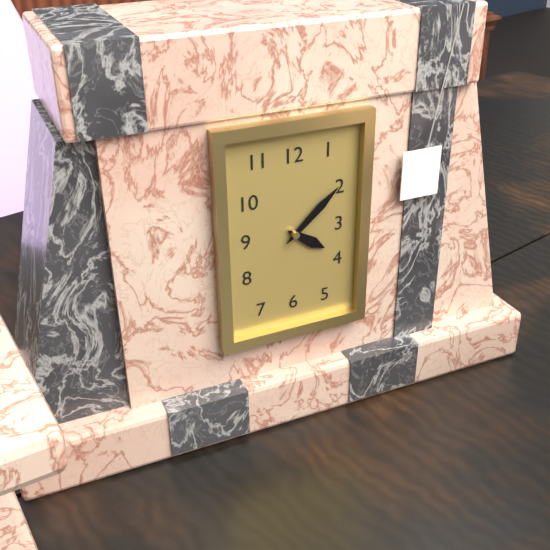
4:08
